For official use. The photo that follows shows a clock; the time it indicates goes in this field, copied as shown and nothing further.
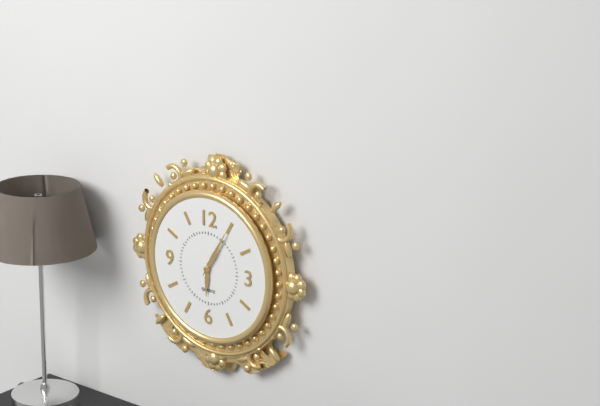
6:05
